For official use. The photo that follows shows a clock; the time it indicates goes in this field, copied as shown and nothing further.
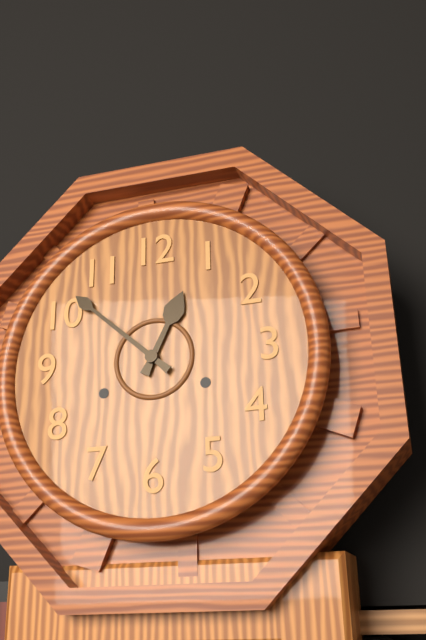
12:52
